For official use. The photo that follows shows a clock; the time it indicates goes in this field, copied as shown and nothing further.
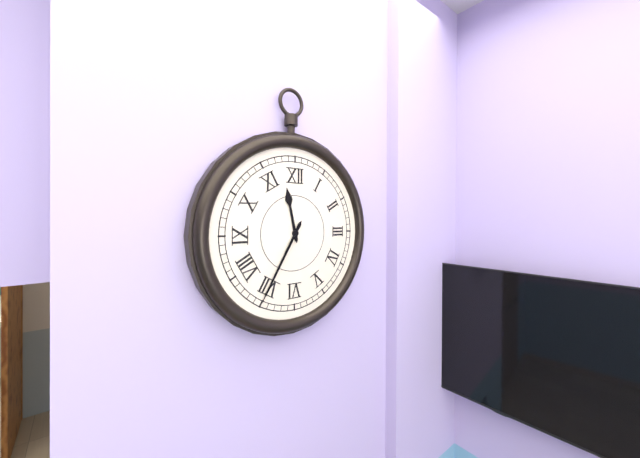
11:35
